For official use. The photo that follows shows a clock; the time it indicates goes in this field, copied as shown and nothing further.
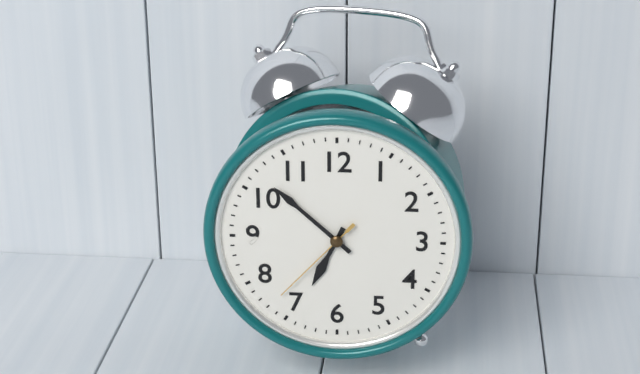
6:52:37
